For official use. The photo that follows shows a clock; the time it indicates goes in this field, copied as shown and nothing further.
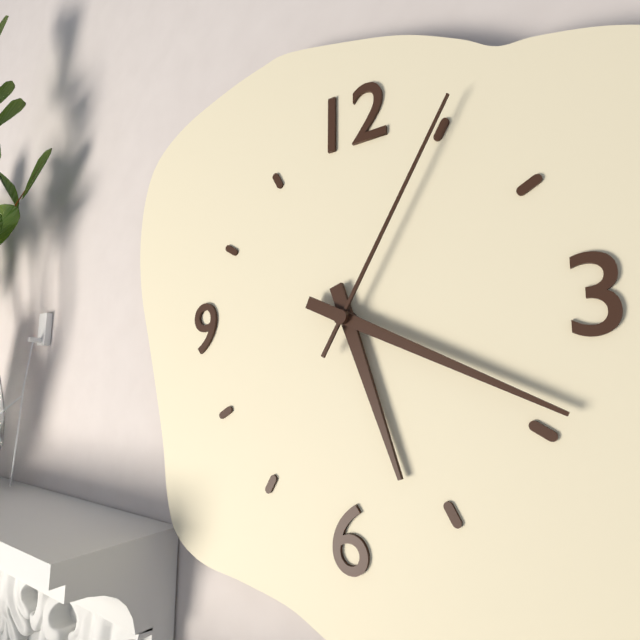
5:19:05
